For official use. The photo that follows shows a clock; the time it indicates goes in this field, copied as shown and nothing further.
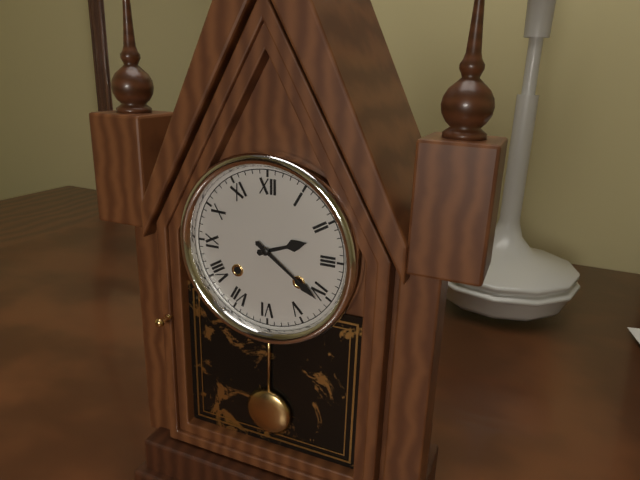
2:21
